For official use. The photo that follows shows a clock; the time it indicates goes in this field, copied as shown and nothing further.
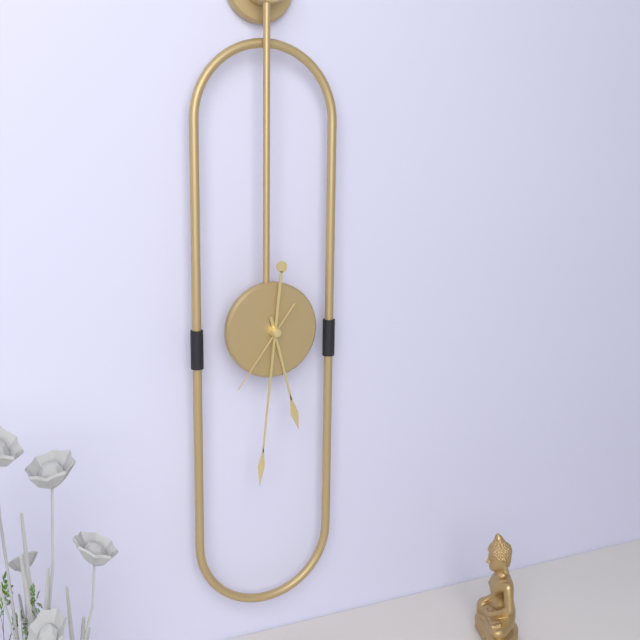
5:31:36
